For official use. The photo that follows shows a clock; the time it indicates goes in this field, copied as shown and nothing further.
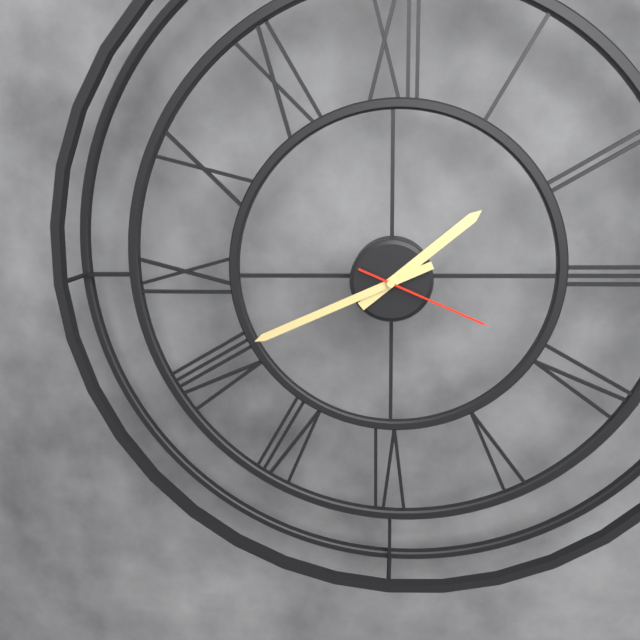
1:41:19
